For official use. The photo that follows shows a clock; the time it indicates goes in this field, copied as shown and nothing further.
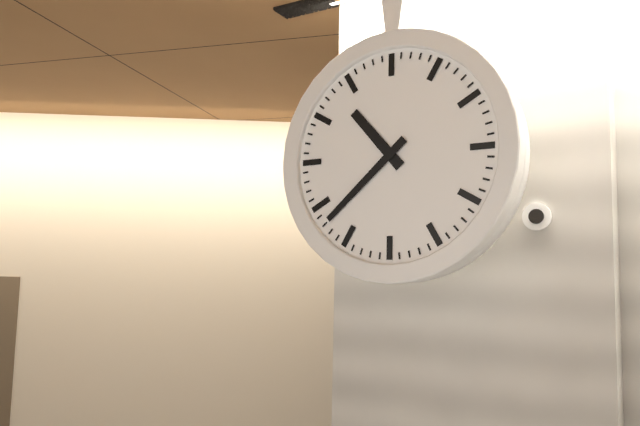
10:38
